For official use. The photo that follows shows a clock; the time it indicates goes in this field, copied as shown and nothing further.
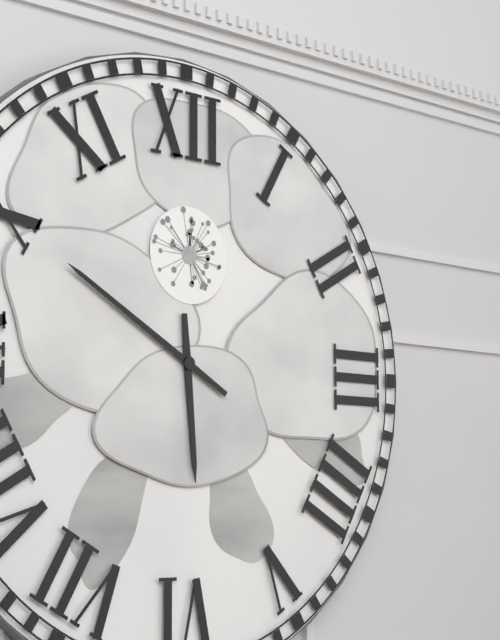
5:50
